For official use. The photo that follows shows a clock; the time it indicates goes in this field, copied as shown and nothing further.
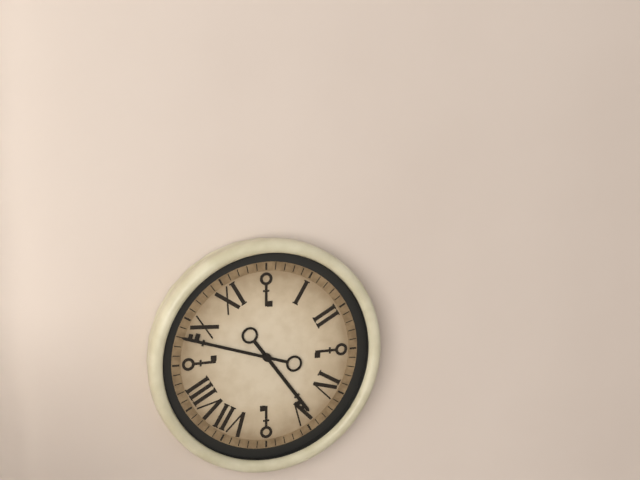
4:48
